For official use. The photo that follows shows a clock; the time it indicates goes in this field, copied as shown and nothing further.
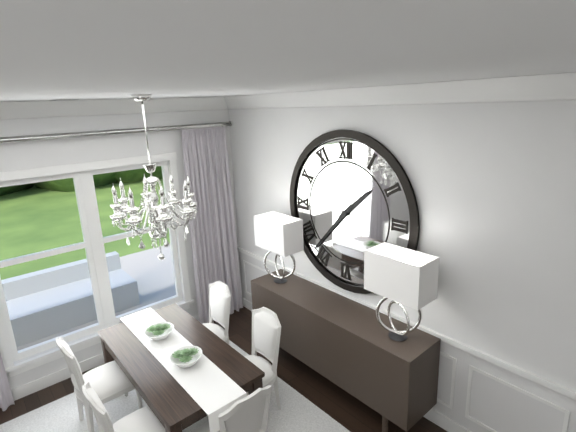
1:37
